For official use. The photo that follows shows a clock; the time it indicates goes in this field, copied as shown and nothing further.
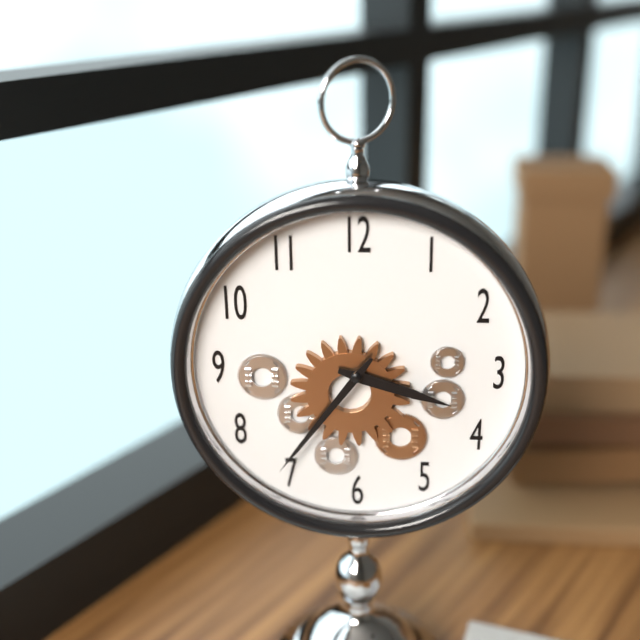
3:36
